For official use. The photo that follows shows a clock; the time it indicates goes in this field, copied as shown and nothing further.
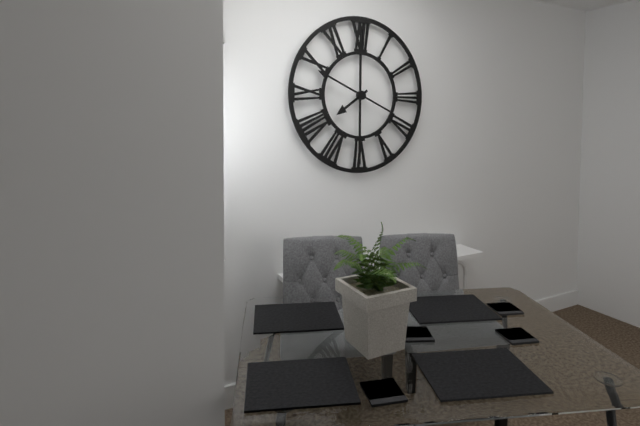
7:49
